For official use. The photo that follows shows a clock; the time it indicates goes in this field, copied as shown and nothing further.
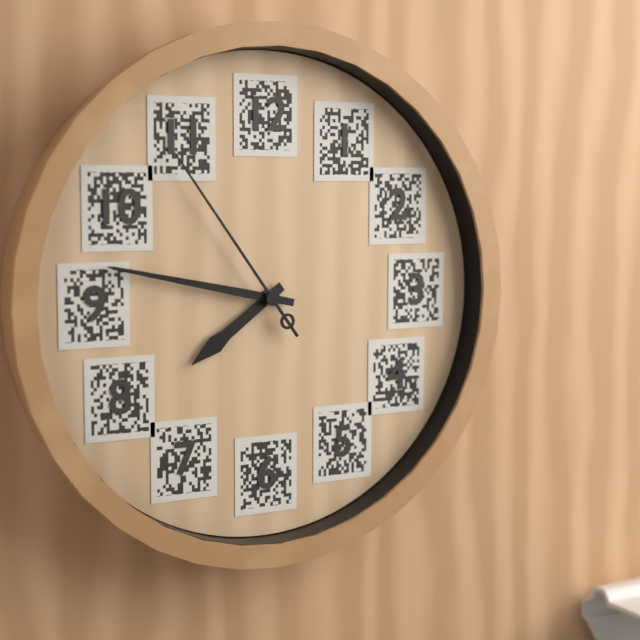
7:47:54
